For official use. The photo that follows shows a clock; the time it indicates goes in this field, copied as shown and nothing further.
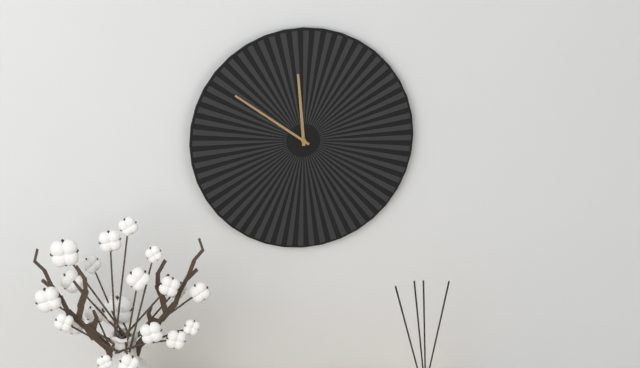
11:51
